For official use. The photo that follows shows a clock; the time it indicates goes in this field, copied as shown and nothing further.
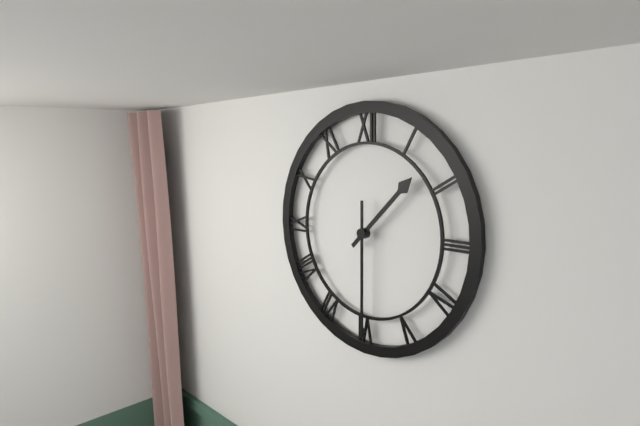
1:30
